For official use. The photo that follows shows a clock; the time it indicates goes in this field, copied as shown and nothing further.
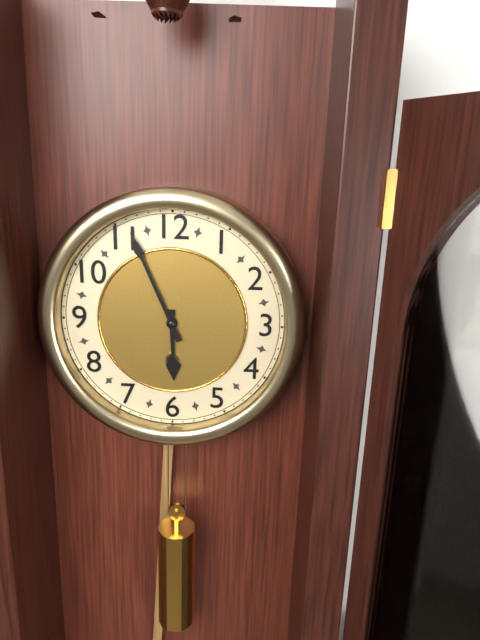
5:56
